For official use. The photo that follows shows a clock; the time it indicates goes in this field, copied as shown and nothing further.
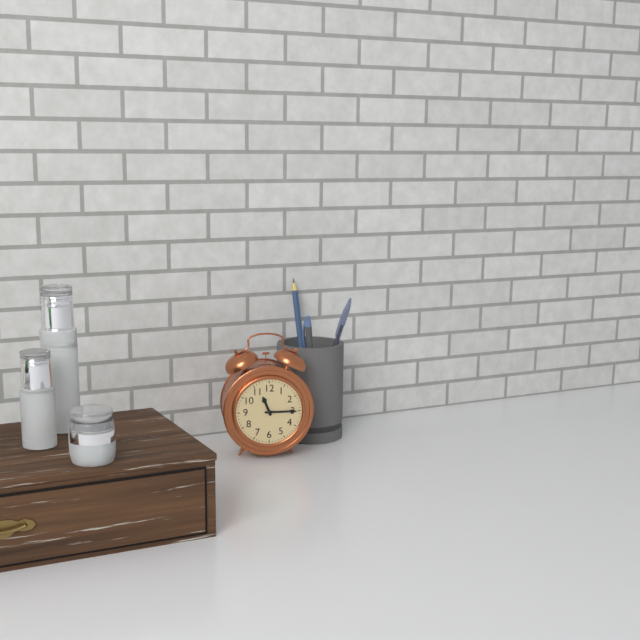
11:15
